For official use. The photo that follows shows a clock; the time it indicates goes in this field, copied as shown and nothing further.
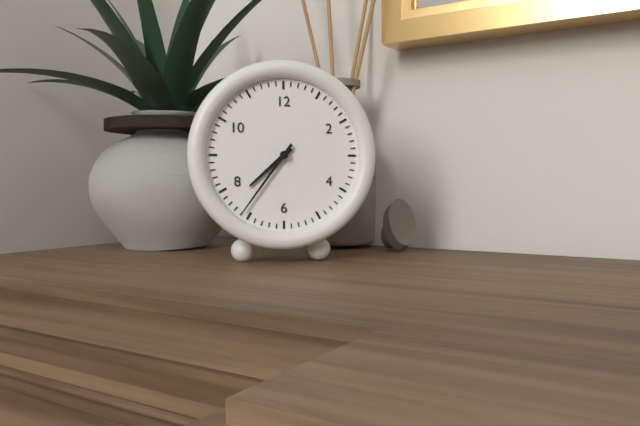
7:36
